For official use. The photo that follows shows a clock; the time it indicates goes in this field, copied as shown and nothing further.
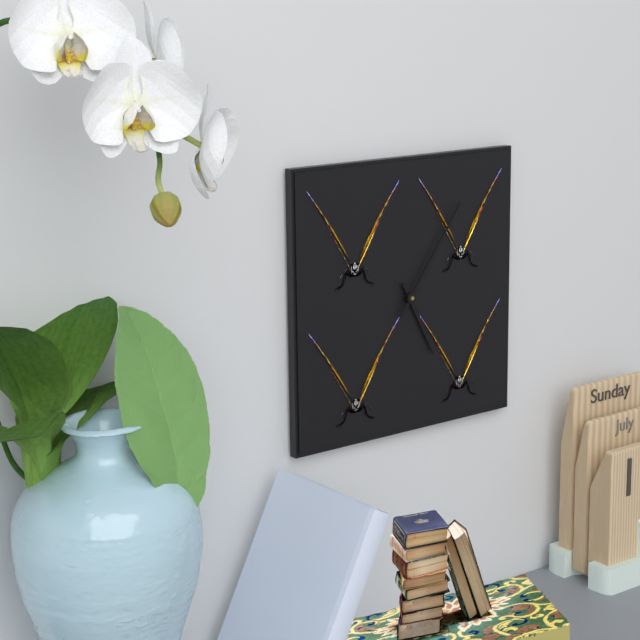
5:06
